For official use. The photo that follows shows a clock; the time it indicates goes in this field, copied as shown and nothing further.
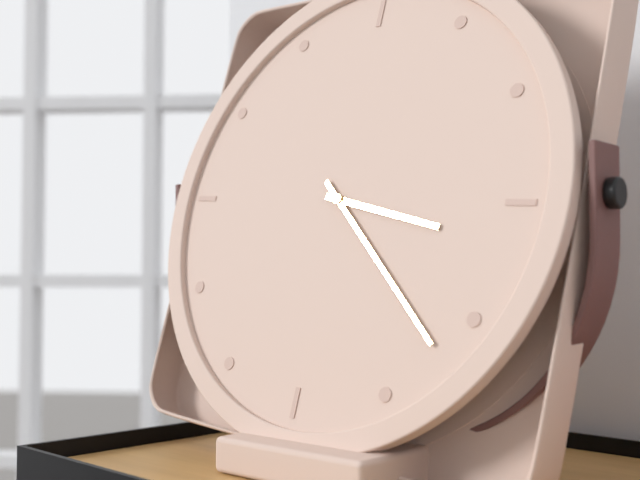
3:22
